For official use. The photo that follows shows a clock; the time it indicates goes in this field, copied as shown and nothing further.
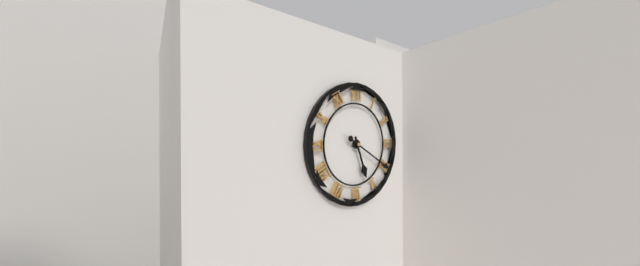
5:20
